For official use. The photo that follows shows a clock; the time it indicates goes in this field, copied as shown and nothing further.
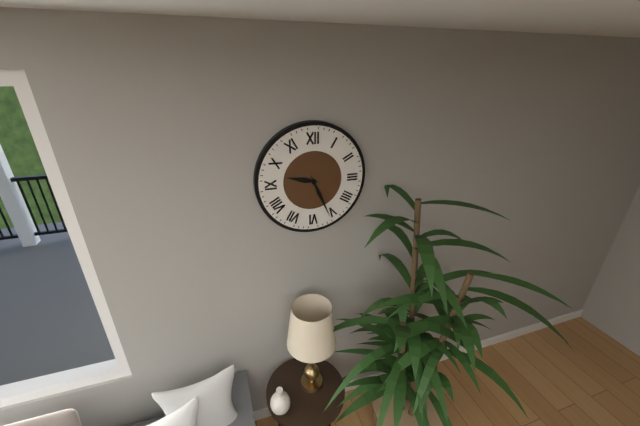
9:26
